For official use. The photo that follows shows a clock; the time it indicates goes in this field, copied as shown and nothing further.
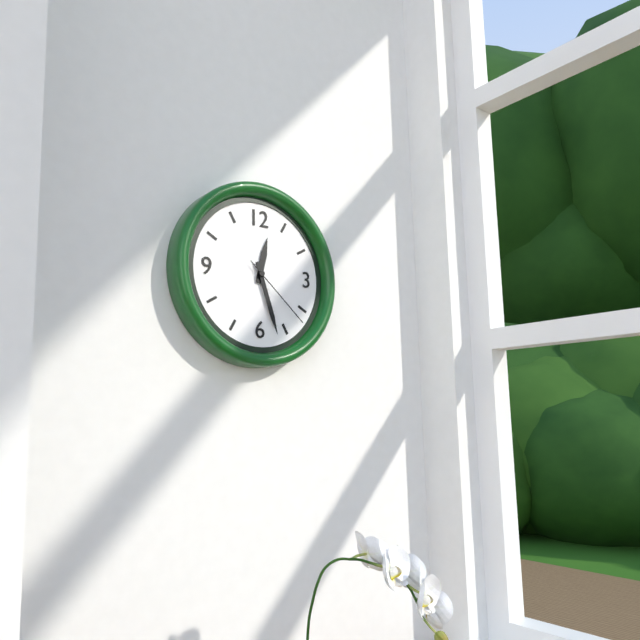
12:27:22
